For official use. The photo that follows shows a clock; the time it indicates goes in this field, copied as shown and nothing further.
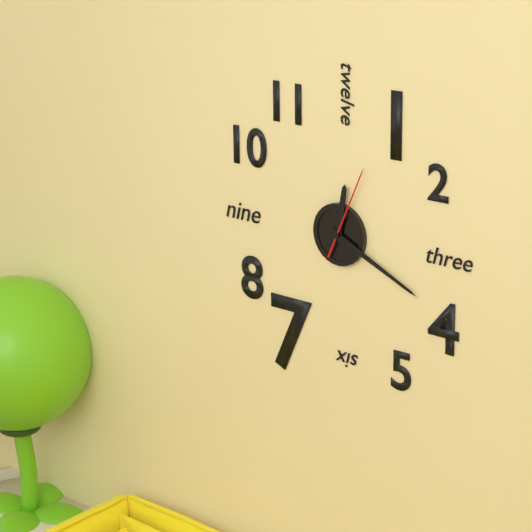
12:19:04
